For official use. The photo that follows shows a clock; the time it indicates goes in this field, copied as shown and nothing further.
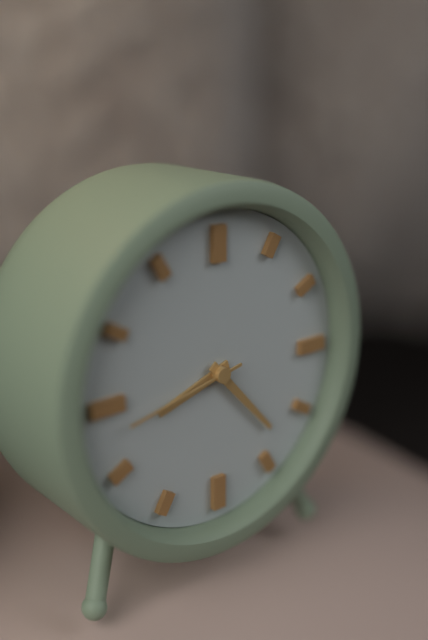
8:23:43
